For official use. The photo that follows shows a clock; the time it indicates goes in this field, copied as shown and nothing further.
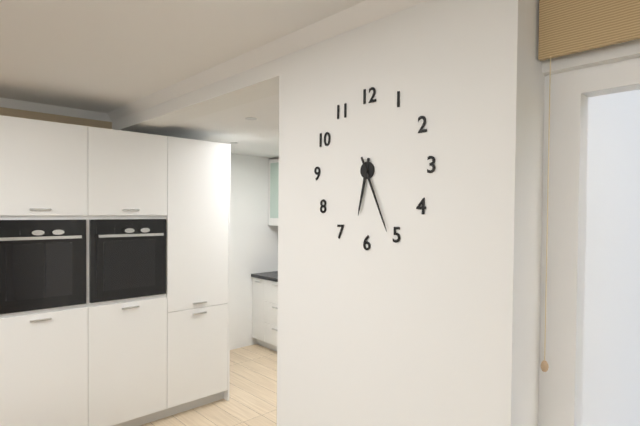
6:26
